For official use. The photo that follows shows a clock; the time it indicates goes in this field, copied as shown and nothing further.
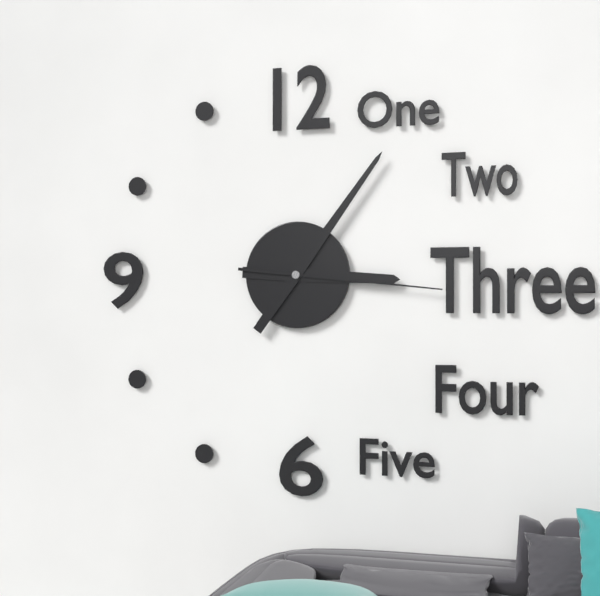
3:06:16
